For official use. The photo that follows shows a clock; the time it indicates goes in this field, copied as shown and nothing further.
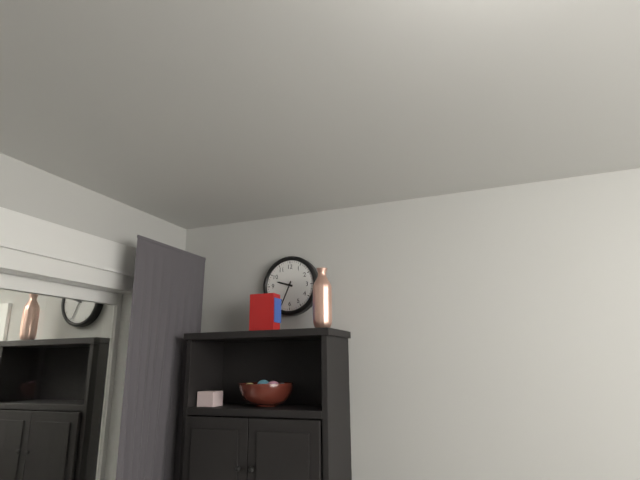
9:34
